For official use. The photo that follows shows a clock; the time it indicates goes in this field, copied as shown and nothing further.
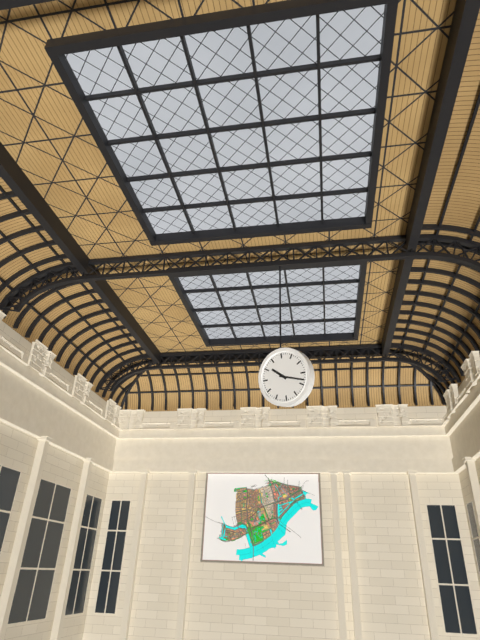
10:18
